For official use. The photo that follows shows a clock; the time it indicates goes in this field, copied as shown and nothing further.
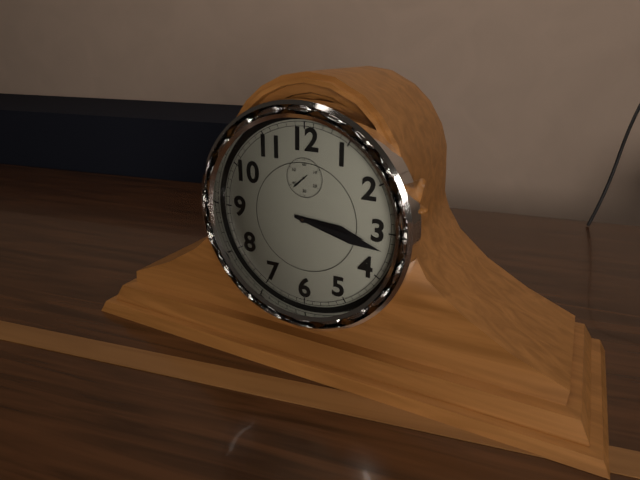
3:17
